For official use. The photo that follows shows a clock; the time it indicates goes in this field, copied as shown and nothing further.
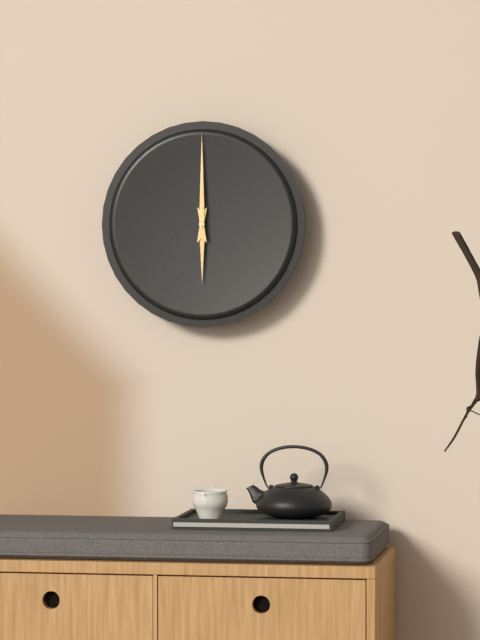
6:00
